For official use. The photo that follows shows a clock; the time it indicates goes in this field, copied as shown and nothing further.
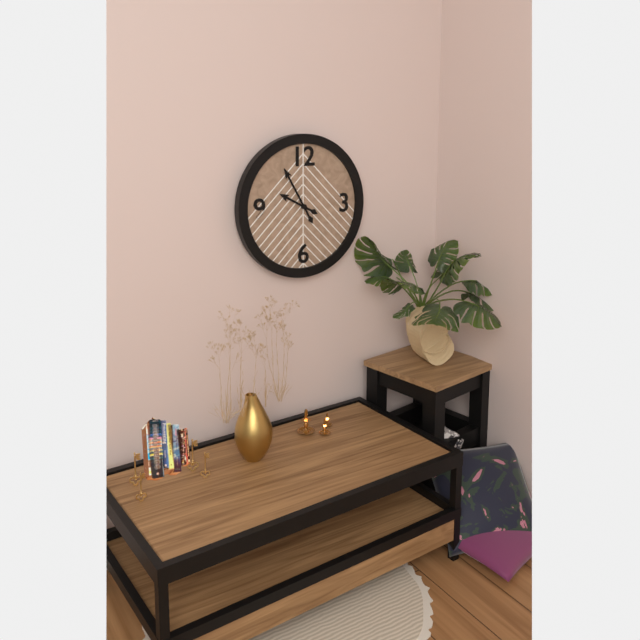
9:55
